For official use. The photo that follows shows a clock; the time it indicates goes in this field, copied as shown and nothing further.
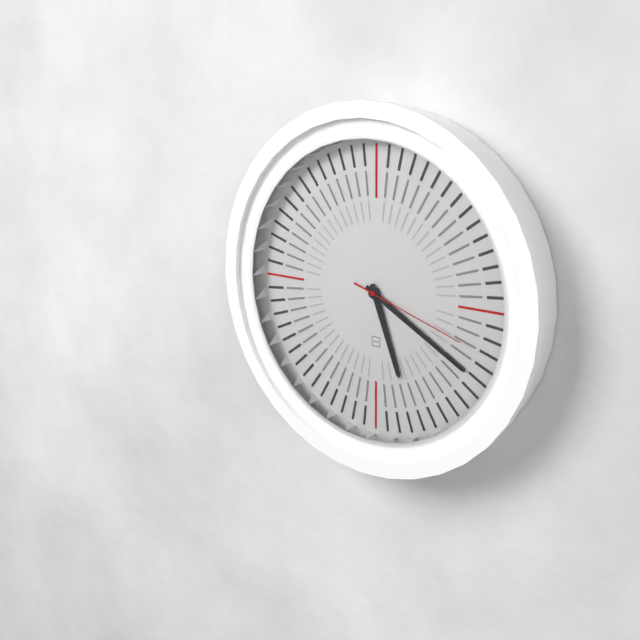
5:20:18
